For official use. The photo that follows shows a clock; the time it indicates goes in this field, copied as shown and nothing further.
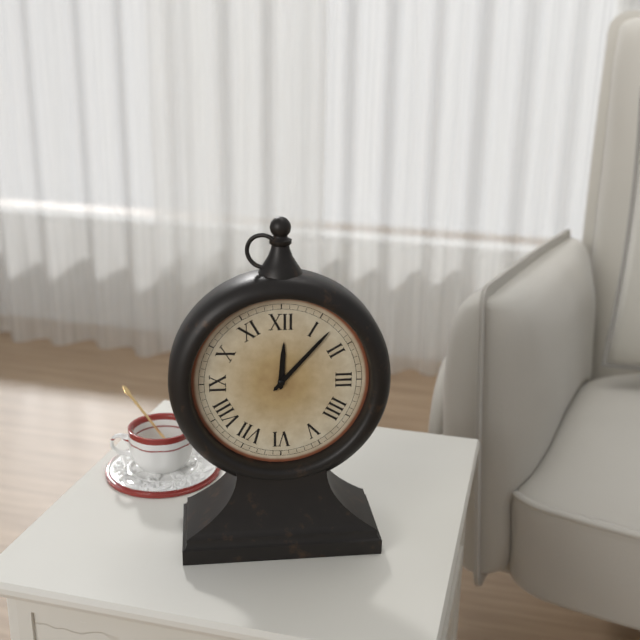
12:07
